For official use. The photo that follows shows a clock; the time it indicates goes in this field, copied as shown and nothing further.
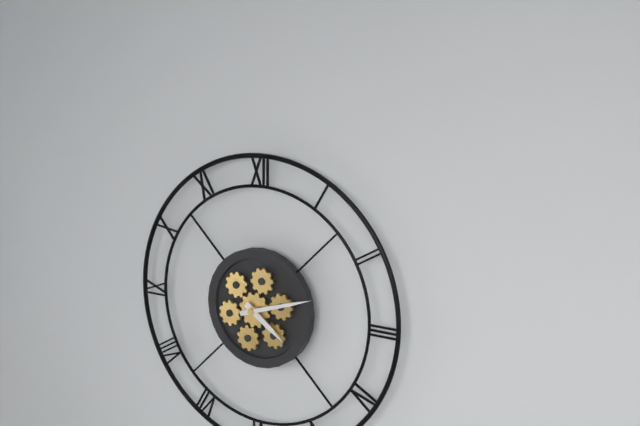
4:12
